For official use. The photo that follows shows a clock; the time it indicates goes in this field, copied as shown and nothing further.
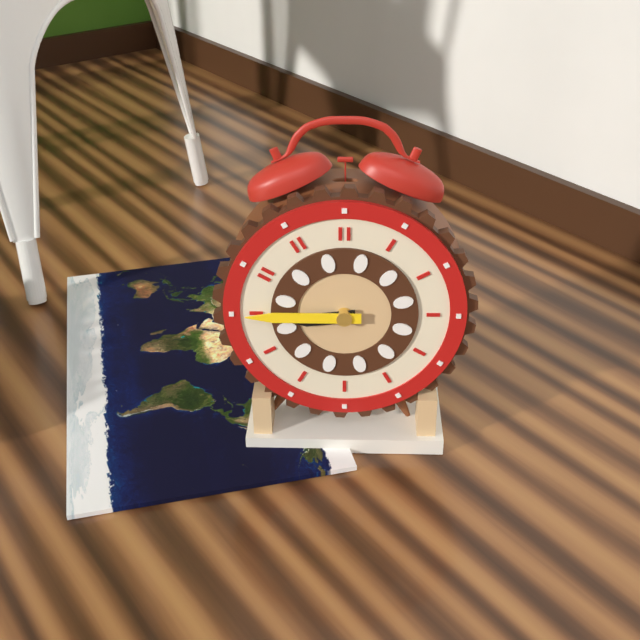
8:45
